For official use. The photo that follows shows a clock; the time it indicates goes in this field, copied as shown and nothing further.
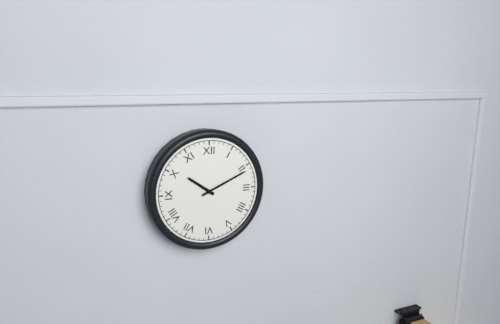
10:11
